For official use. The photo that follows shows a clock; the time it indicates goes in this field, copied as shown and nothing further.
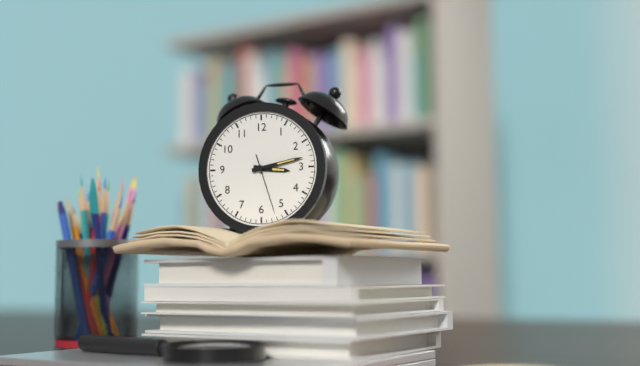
3:13:27
